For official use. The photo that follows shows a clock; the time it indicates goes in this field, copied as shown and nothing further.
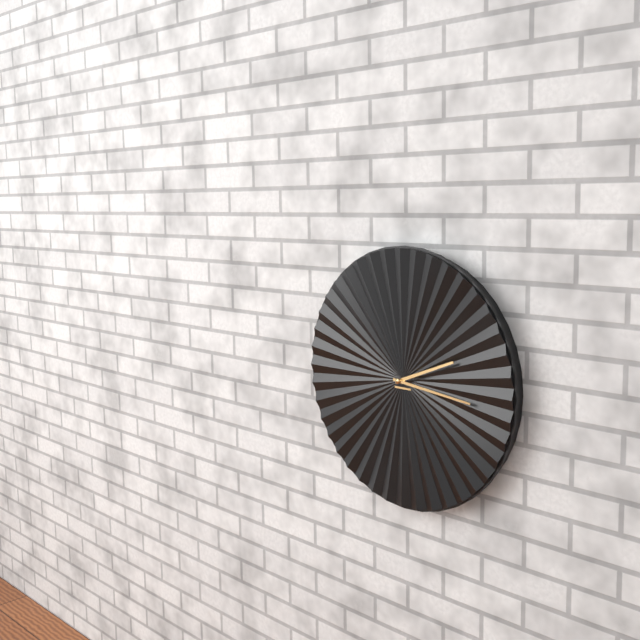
2:16
